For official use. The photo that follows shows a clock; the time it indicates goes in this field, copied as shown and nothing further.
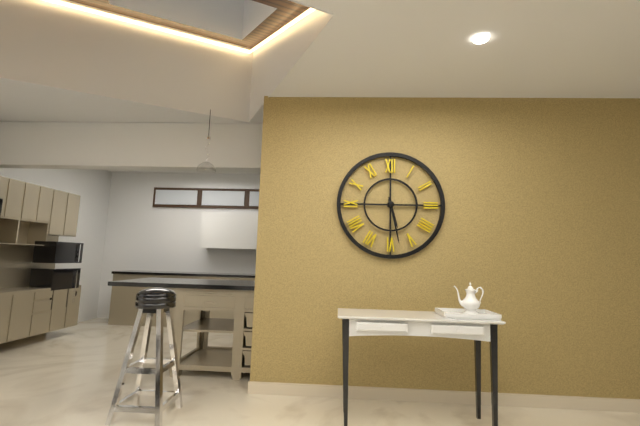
5:28
